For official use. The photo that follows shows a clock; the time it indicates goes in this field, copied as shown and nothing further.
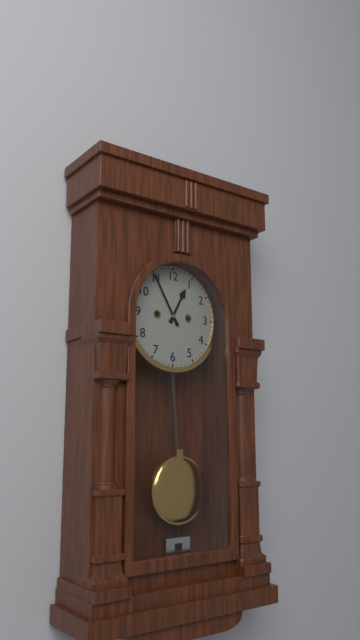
12:55
